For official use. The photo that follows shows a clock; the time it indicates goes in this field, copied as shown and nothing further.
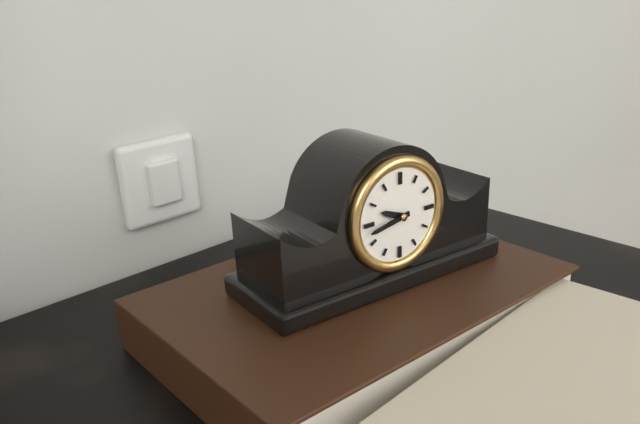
9:43
